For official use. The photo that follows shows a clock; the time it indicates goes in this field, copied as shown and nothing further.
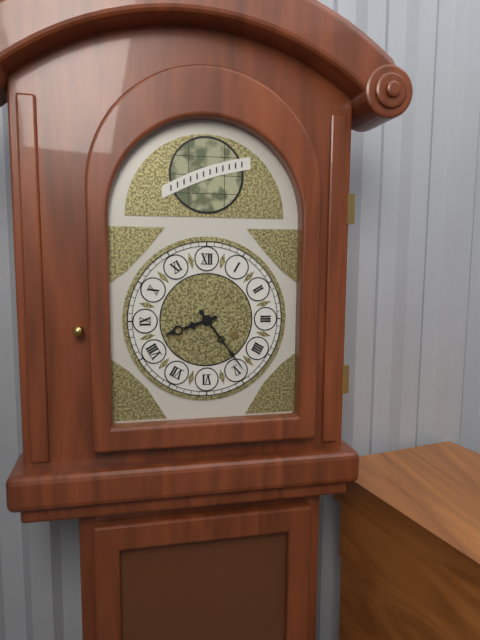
8:24
